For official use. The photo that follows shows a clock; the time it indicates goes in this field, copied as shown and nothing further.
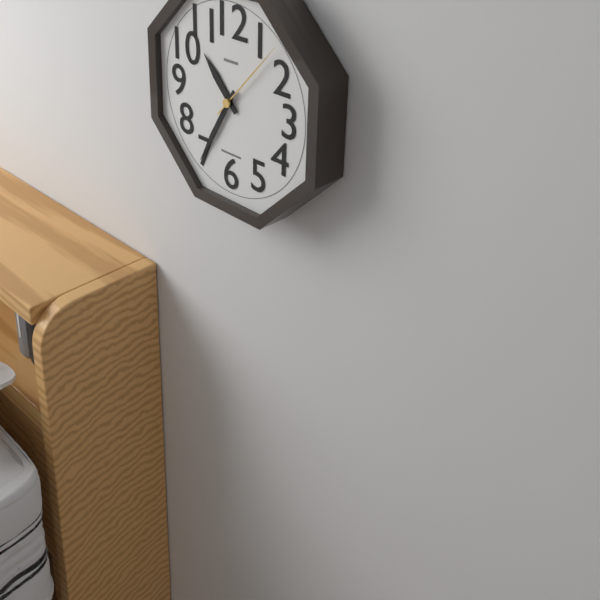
10:35:07
